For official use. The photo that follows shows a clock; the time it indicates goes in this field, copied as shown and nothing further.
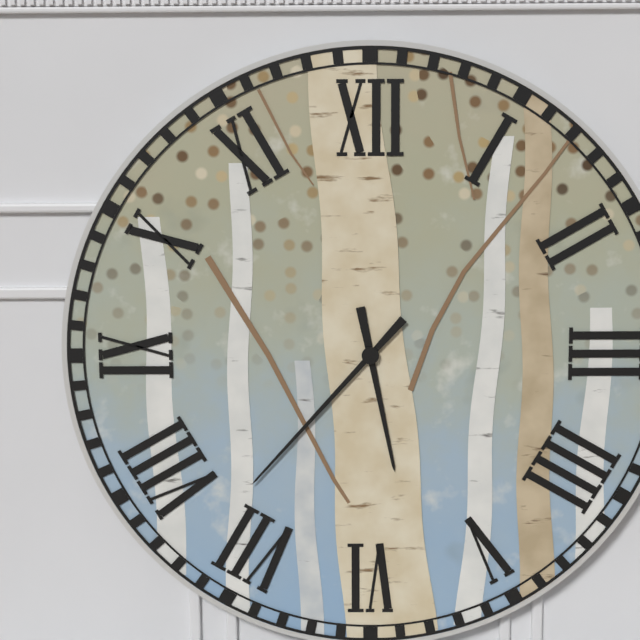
5:37
